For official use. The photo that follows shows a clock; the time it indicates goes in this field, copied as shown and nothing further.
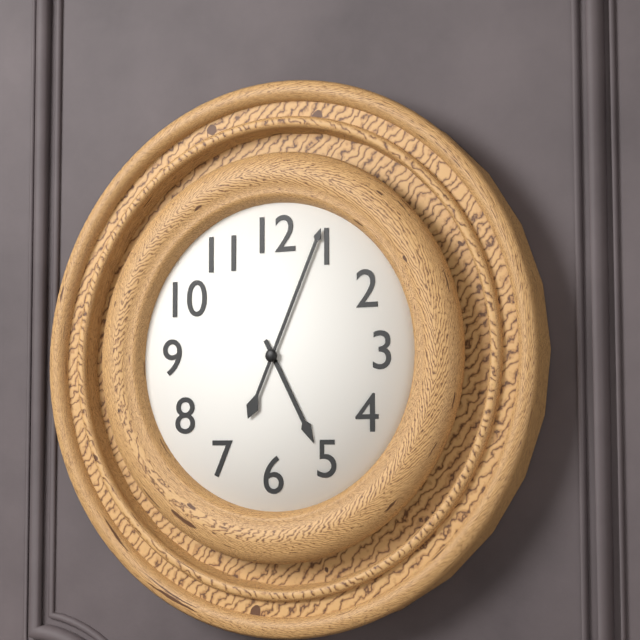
5:04
